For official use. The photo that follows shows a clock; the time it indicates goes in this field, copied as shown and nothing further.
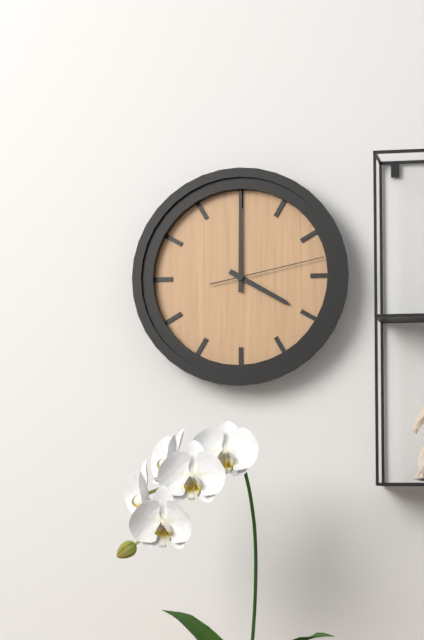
4:00:13
